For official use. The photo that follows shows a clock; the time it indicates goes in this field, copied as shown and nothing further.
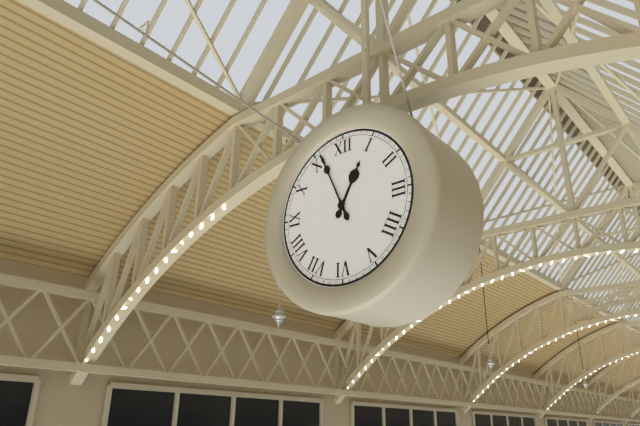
12:56
